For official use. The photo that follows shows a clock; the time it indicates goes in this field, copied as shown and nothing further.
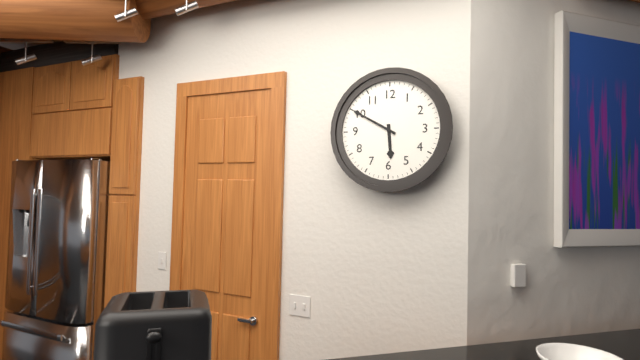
5:50
